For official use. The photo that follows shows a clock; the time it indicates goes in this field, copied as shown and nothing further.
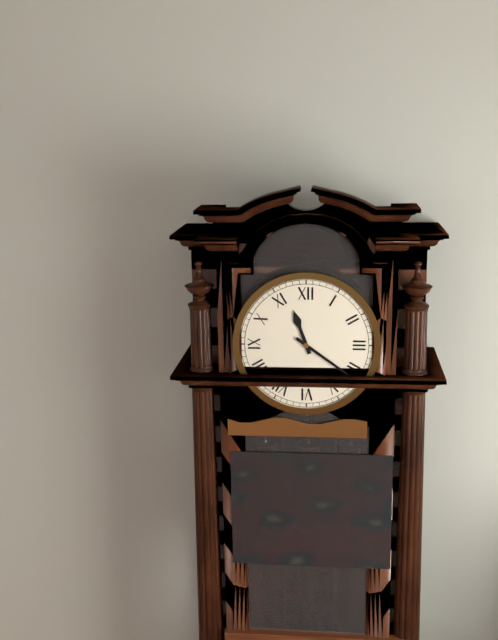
11:21
